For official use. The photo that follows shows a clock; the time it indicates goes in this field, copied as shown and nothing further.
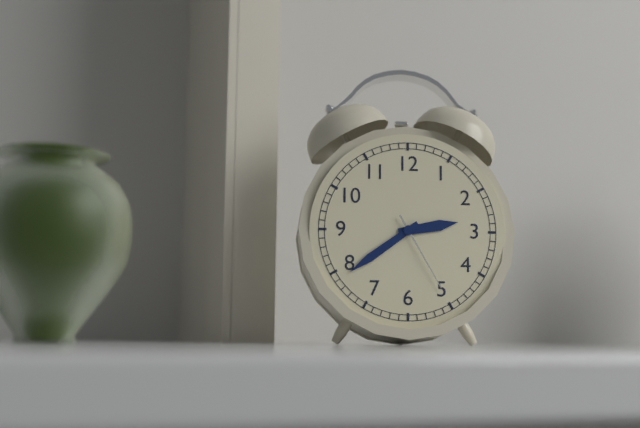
2:39:25
